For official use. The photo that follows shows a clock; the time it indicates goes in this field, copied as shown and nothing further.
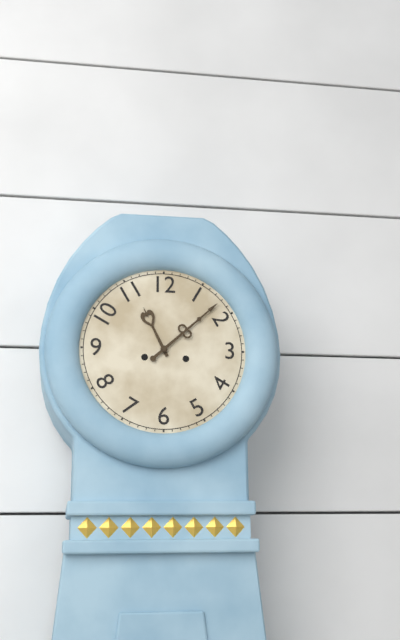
11:08
